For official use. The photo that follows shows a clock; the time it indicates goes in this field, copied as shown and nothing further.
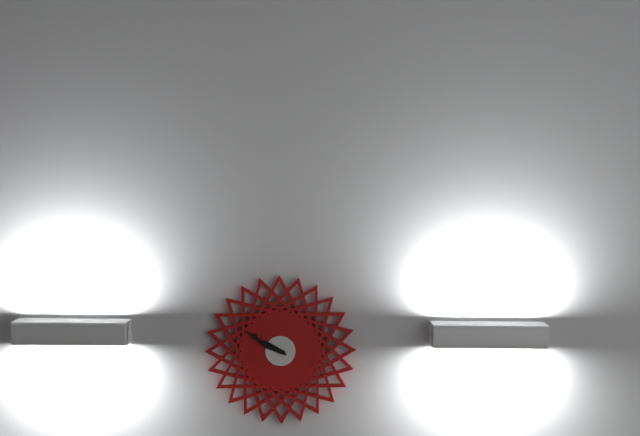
9:50
